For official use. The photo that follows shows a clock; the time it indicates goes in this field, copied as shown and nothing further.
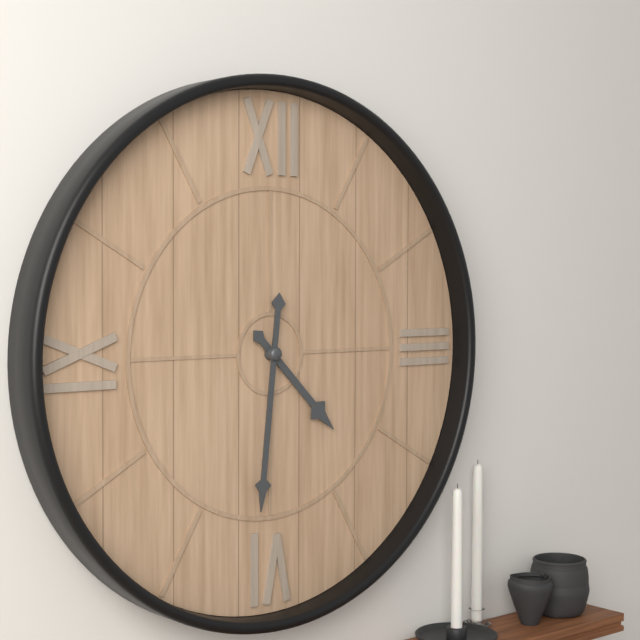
4:31
